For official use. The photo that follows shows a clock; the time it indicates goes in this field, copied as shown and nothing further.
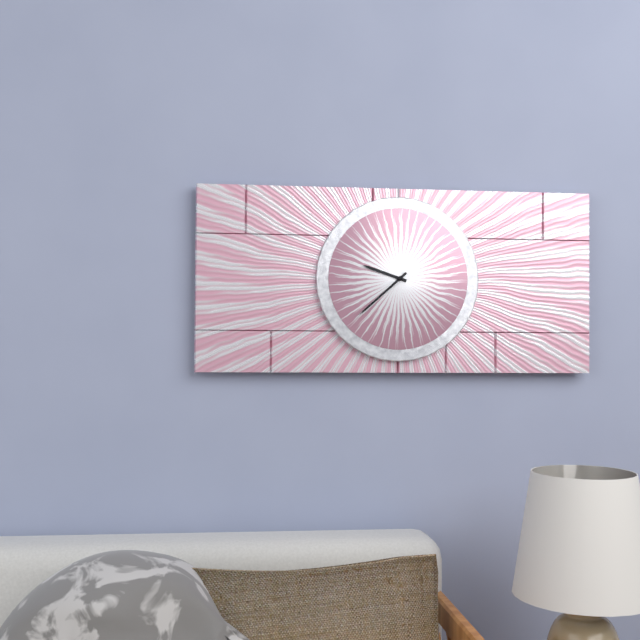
9:38
